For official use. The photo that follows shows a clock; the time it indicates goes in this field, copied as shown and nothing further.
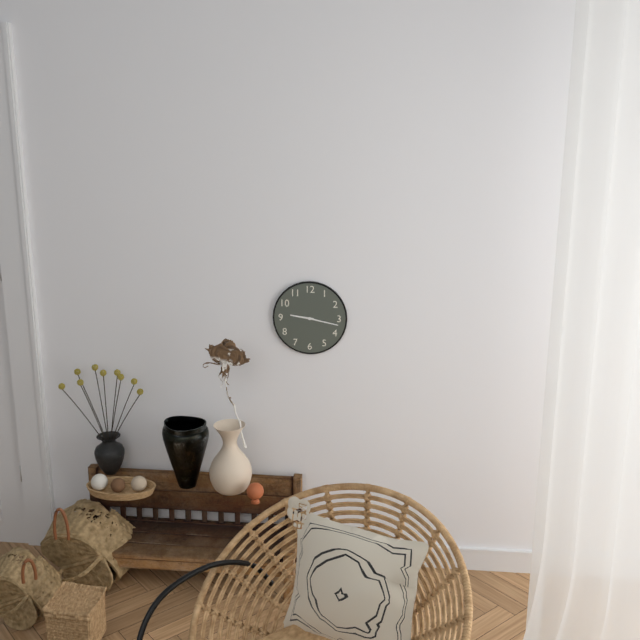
9:17
